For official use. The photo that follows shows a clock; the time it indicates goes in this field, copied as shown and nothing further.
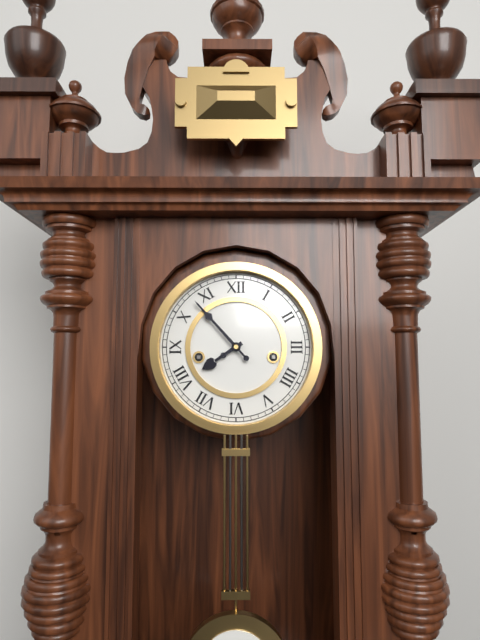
7:53
